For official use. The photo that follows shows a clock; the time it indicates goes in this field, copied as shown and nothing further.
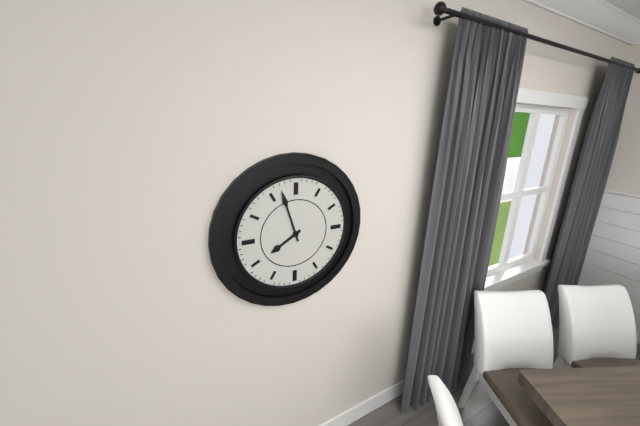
7:57
